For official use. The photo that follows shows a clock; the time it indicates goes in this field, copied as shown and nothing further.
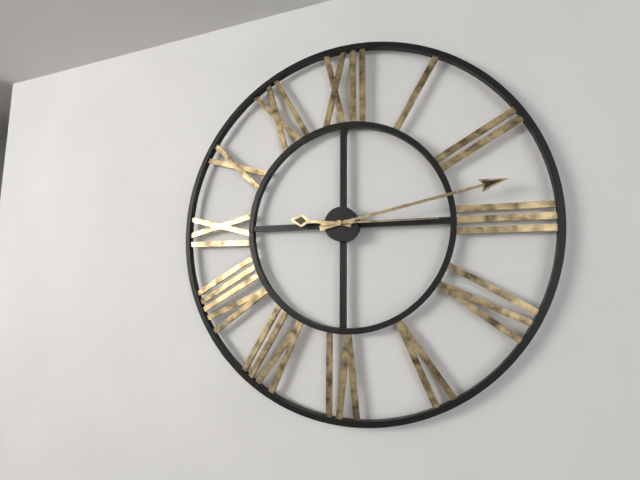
9:13:15
